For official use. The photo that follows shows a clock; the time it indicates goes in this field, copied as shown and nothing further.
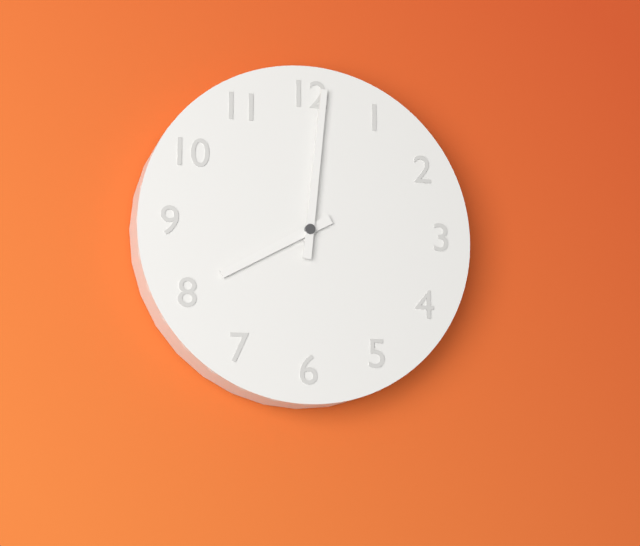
8:01
